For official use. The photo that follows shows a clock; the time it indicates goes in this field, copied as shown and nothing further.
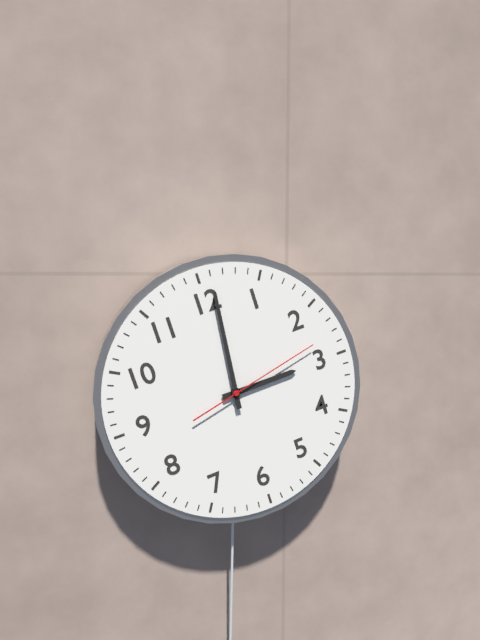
3:01:13
